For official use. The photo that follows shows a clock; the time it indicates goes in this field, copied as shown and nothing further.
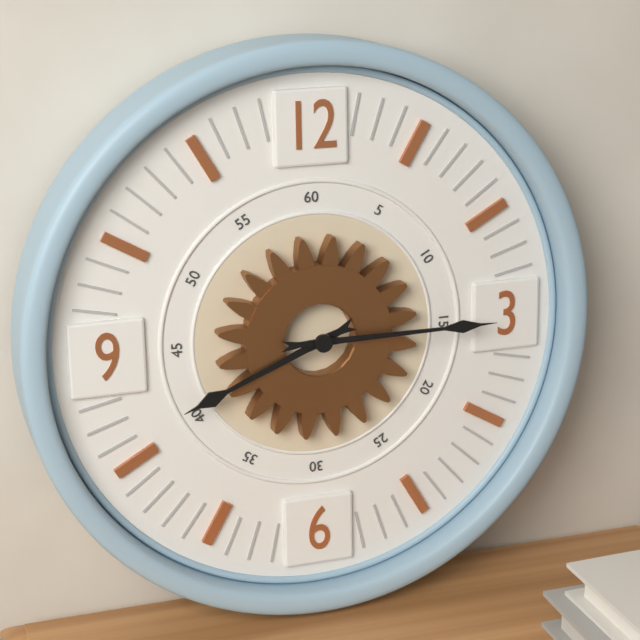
8:15
